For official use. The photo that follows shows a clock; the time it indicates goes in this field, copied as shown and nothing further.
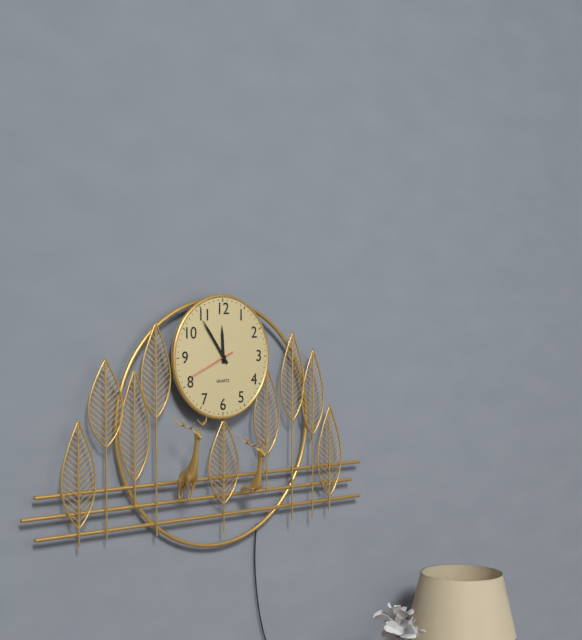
11:54:41
